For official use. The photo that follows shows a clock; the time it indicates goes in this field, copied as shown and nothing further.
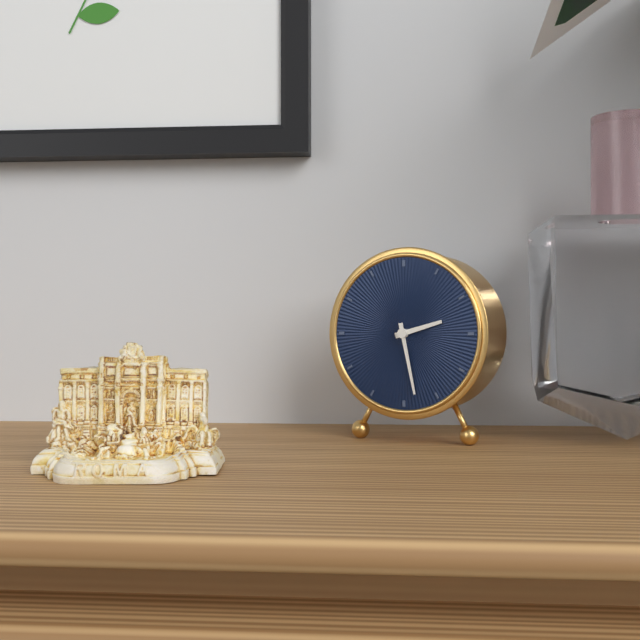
2:28
